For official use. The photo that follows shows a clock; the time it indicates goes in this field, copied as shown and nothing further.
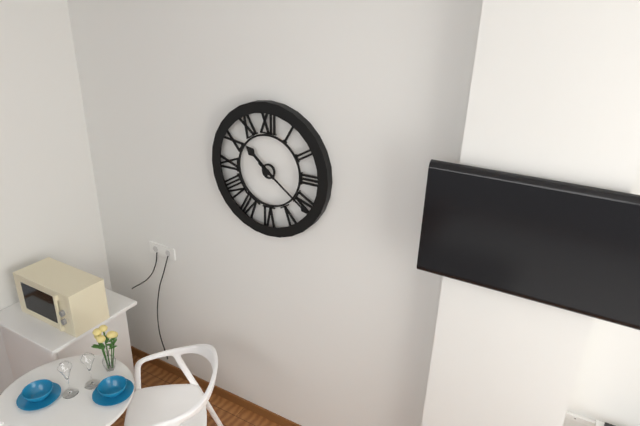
10:21
